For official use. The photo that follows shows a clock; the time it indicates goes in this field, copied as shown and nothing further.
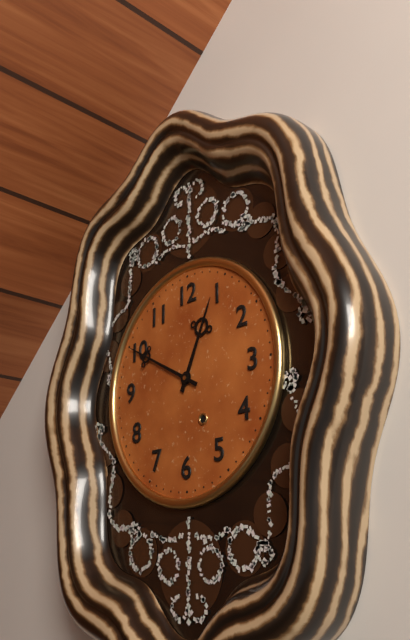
12:50
